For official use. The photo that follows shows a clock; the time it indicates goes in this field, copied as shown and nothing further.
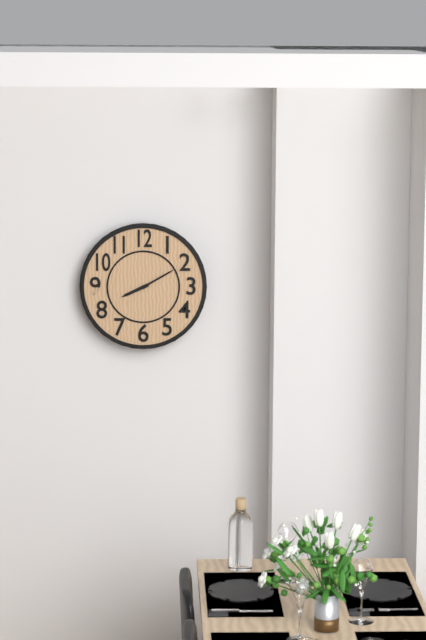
8:10
